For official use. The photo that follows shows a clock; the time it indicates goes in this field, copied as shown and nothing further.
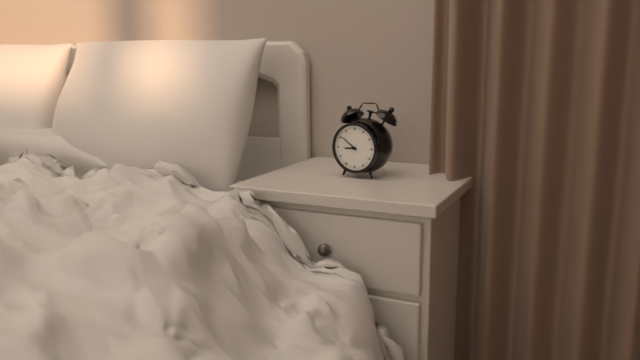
8:51
